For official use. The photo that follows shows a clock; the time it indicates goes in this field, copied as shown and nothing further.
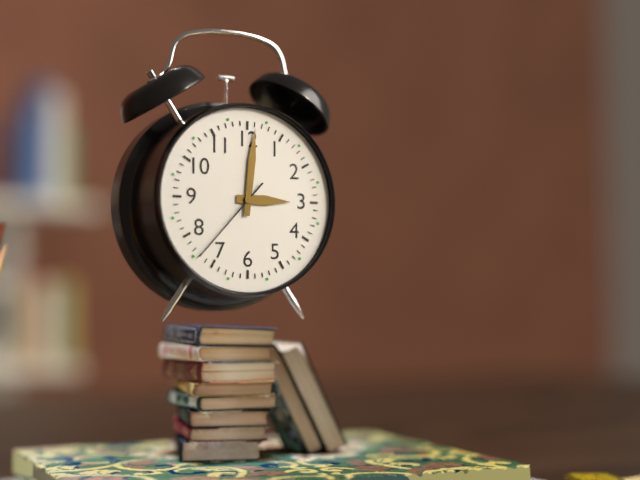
3:01:37
